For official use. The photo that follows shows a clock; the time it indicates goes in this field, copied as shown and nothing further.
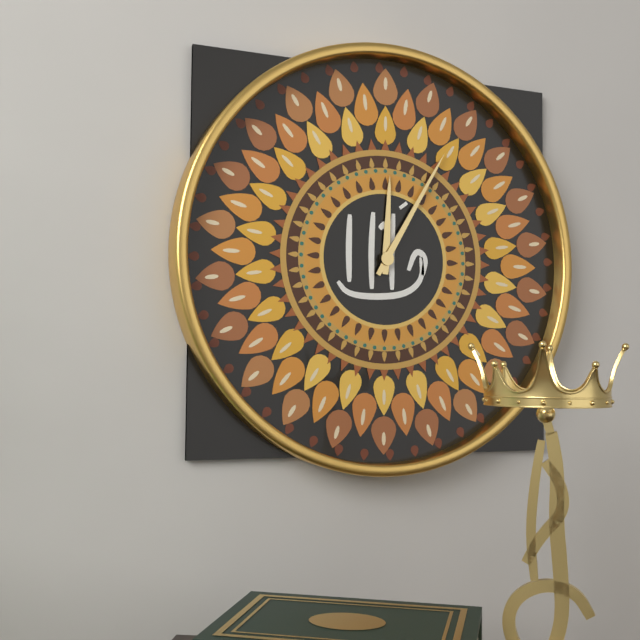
12:05
